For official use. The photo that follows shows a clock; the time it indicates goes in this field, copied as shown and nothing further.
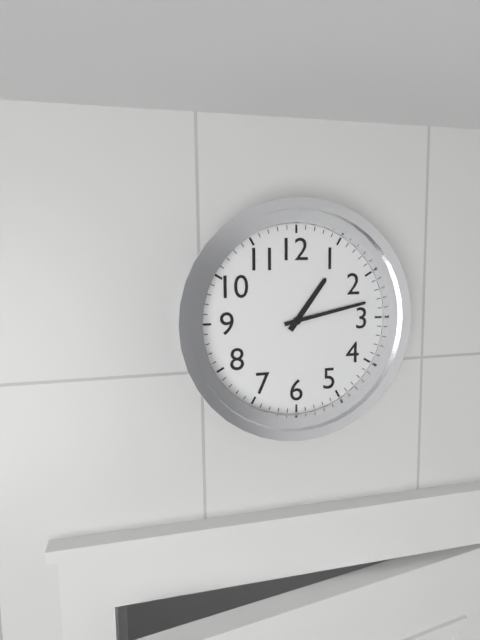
1:13
